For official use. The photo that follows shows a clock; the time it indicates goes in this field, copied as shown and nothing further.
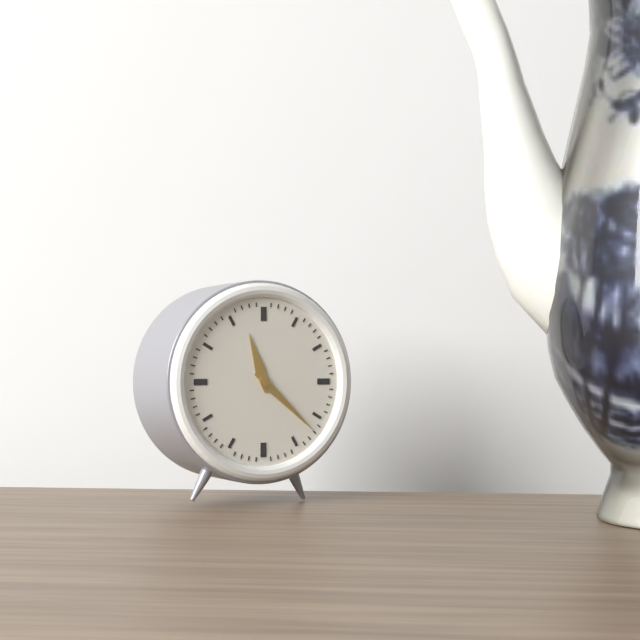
11:22
